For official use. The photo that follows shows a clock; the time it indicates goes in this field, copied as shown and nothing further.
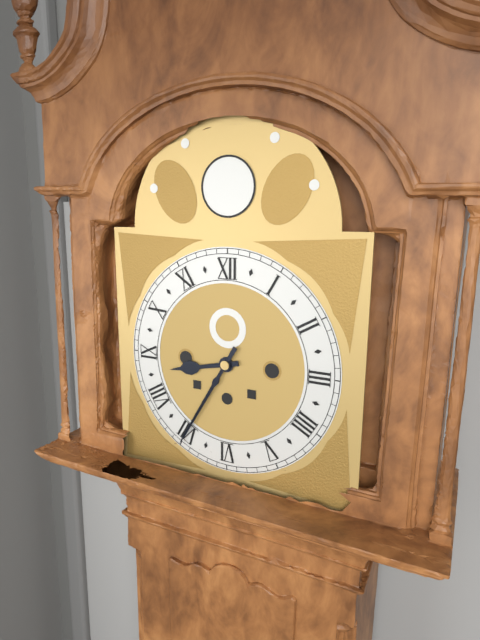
8:35
